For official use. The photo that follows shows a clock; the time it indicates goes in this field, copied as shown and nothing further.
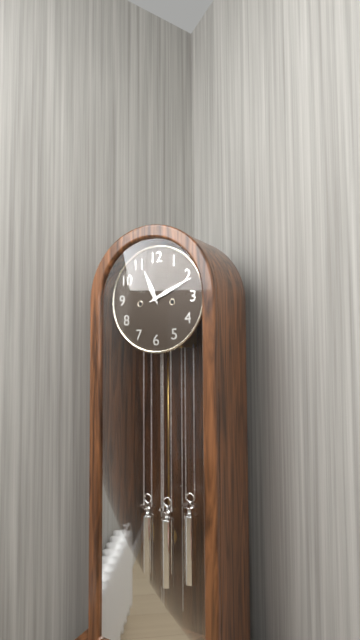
11:11
